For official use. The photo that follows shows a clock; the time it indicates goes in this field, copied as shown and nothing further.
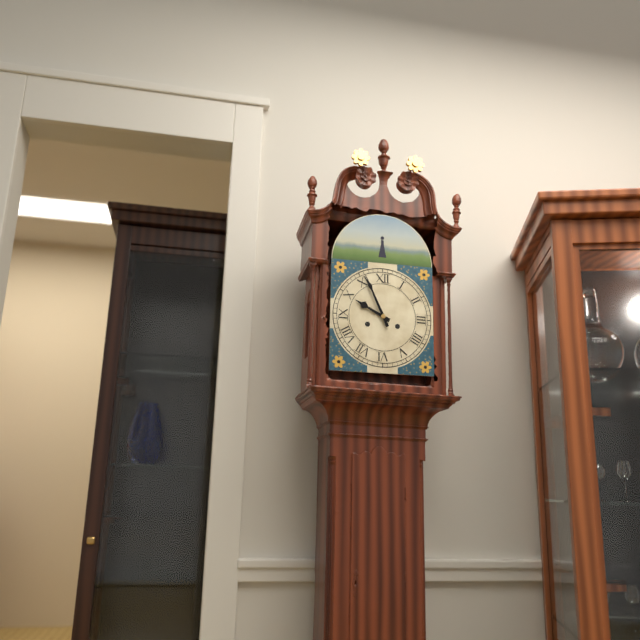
9:56
